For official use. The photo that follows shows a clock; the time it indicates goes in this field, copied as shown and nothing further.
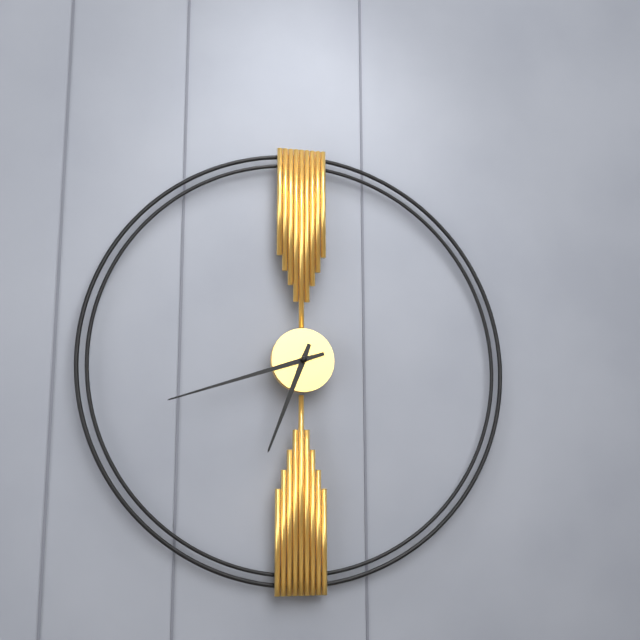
6:42
